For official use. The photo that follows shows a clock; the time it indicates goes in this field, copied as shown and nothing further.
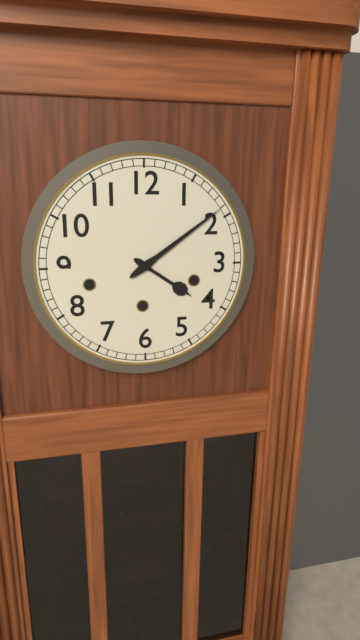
4:09
